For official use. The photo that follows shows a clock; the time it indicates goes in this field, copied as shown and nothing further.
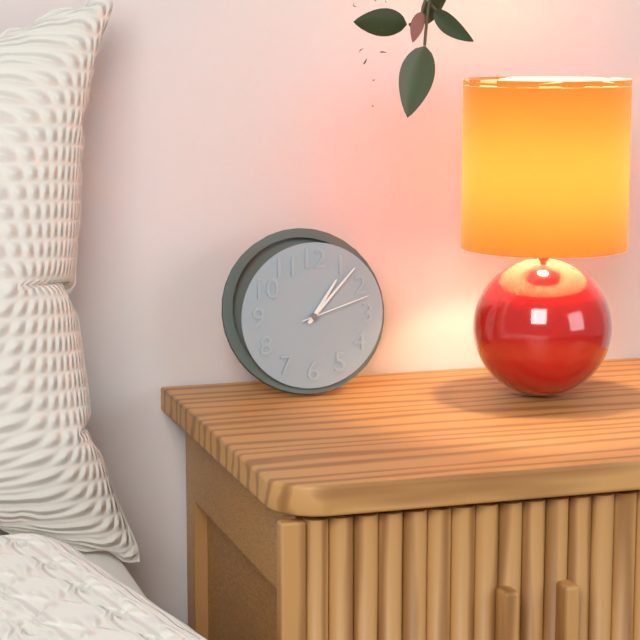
1:07:12
